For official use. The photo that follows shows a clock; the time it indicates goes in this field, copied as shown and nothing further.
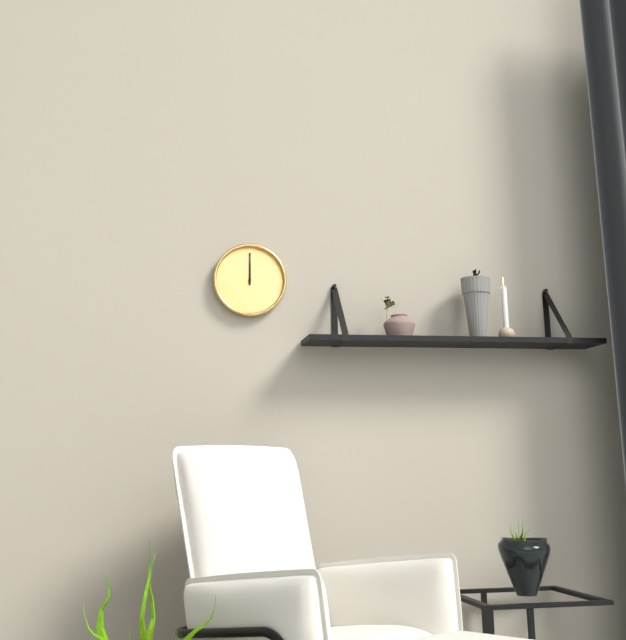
12:00
